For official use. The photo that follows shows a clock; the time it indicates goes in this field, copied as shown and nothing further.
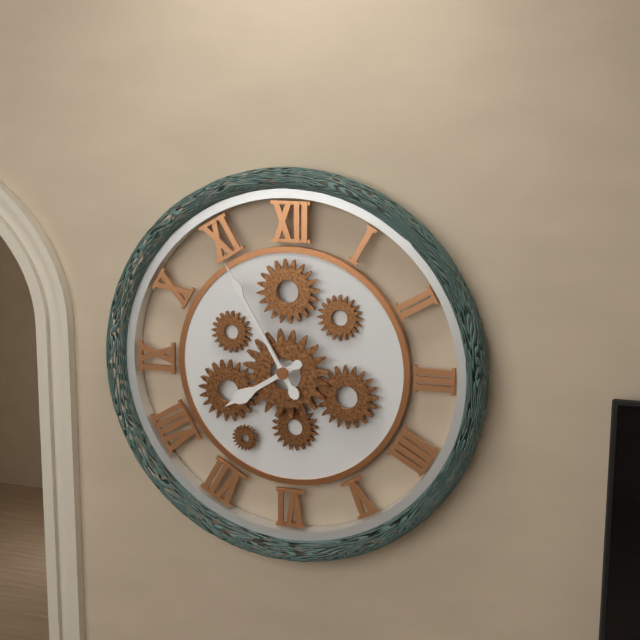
7:55
